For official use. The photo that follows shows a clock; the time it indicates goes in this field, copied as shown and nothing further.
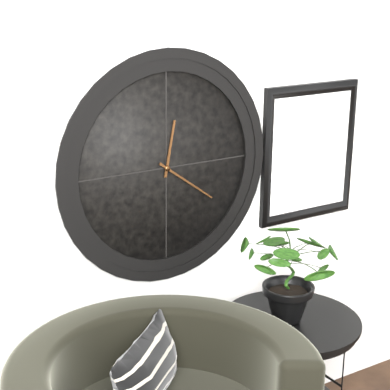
12:21
